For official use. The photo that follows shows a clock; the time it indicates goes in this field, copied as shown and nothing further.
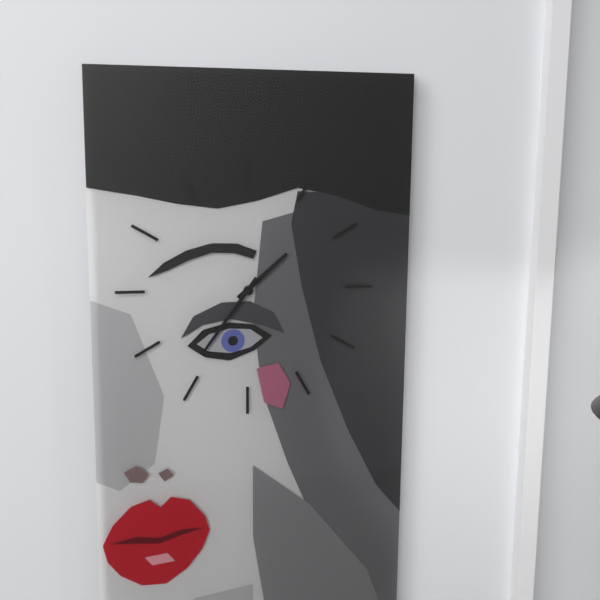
1:36
